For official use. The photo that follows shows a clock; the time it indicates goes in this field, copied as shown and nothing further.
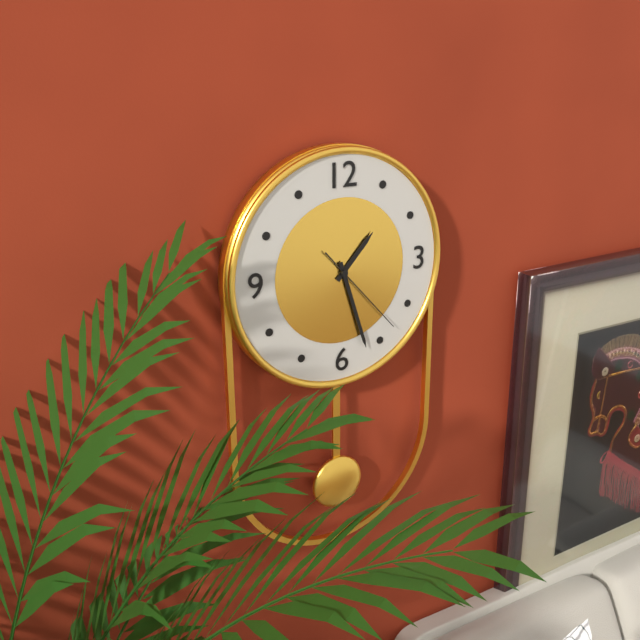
1:27:23
